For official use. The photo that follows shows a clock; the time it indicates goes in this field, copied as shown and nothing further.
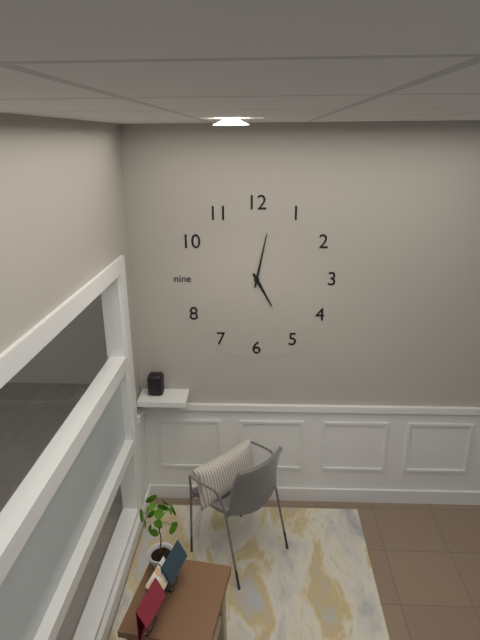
5:02
